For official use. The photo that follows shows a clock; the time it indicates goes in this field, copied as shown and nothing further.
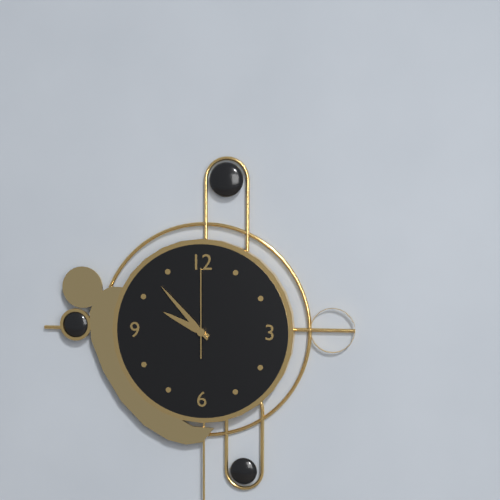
9:53:00
